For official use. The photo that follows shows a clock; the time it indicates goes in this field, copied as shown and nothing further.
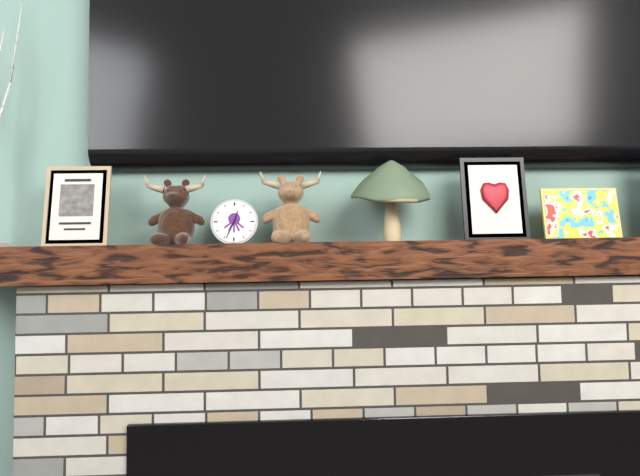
12:34
